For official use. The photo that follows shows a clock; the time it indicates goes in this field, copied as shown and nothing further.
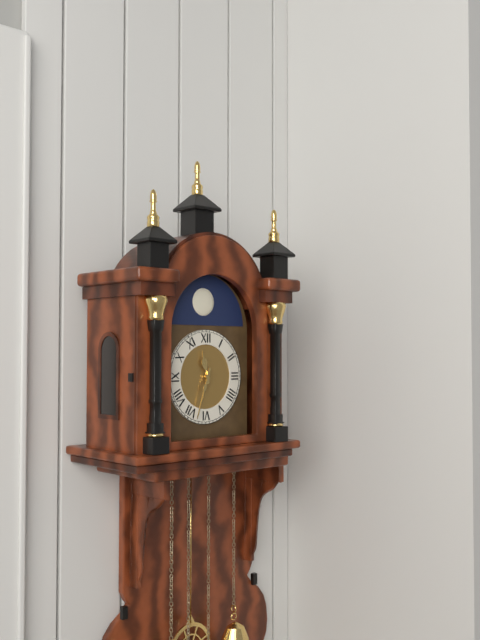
11:33
